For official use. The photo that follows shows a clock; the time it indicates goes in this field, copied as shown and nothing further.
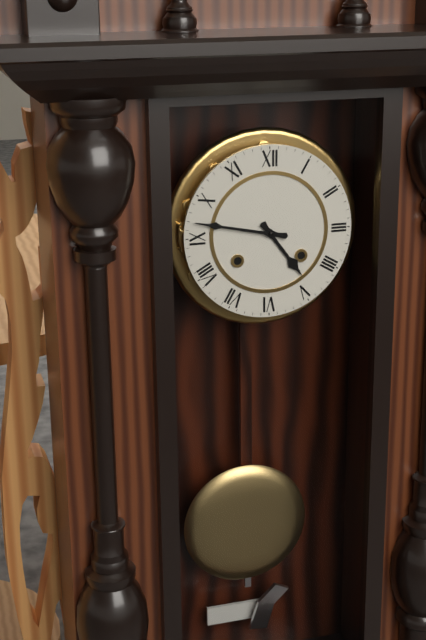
4:47
